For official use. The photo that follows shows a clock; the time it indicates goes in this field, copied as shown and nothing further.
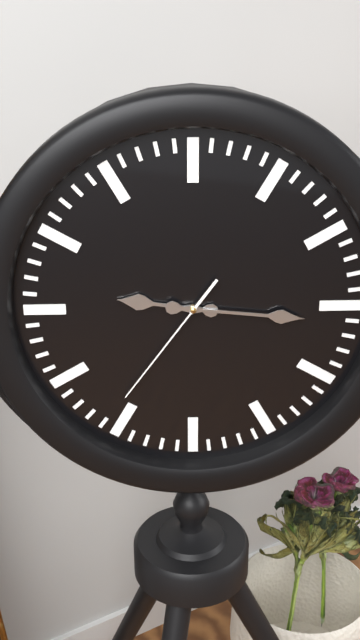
9:16:36
